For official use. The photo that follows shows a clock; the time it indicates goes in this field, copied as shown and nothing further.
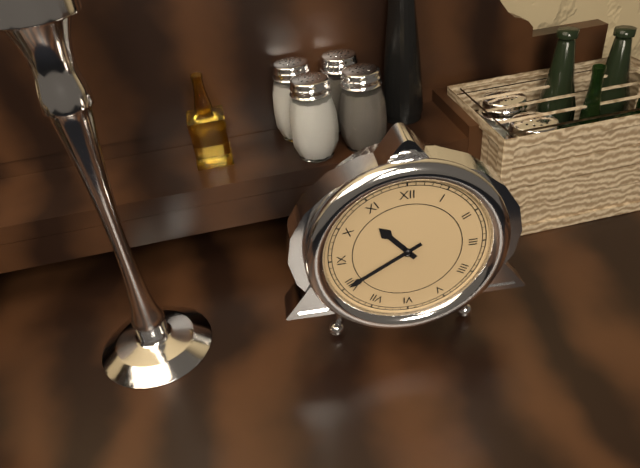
10:40
